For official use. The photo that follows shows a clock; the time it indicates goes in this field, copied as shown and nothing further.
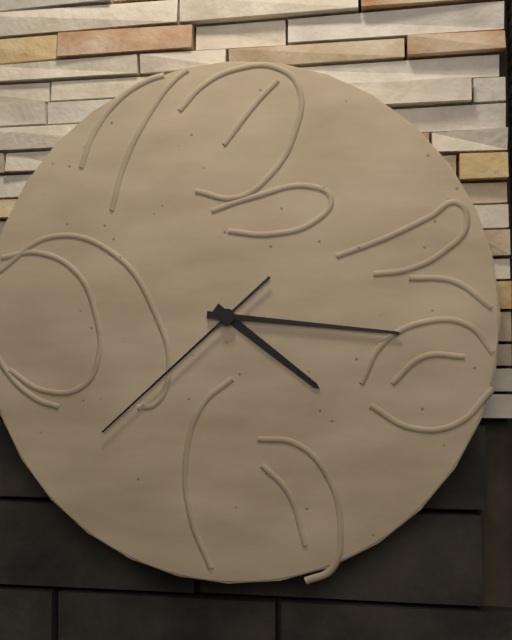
4:16:38
